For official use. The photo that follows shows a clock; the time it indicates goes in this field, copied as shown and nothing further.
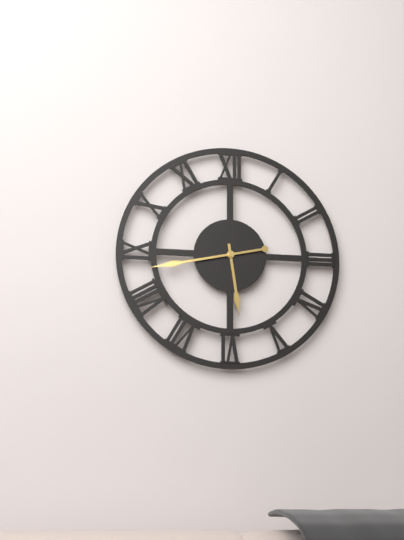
5:43
